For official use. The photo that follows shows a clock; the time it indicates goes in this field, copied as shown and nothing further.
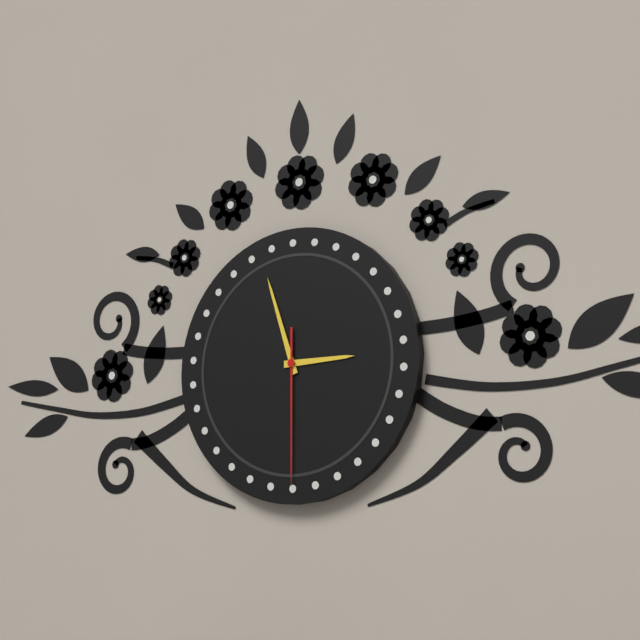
2:57:30
